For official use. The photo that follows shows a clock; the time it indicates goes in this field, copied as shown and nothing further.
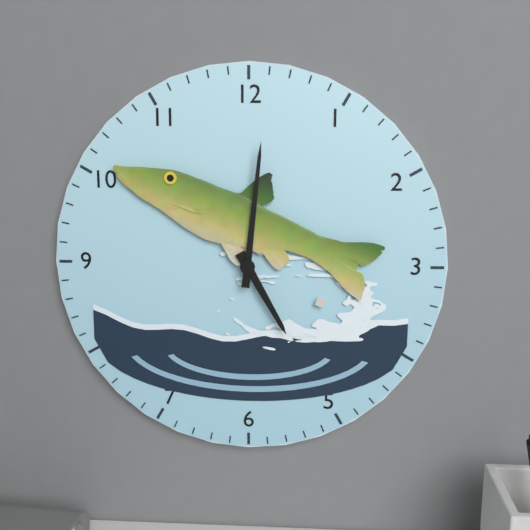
5:01
